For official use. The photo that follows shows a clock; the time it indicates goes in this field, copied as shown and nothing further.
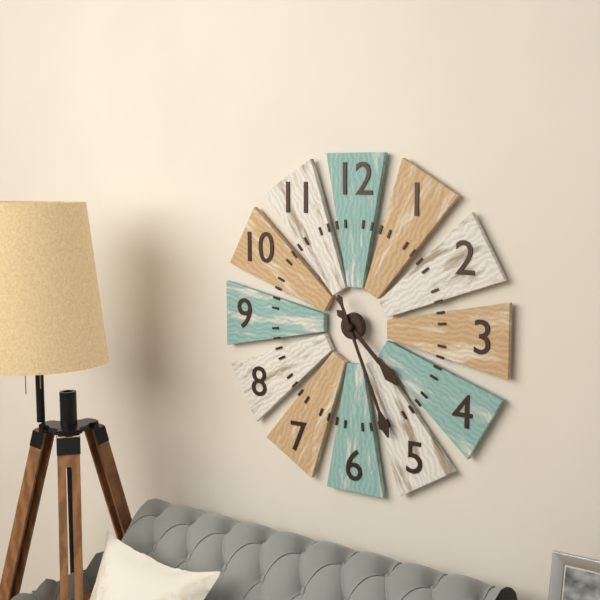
4:26
